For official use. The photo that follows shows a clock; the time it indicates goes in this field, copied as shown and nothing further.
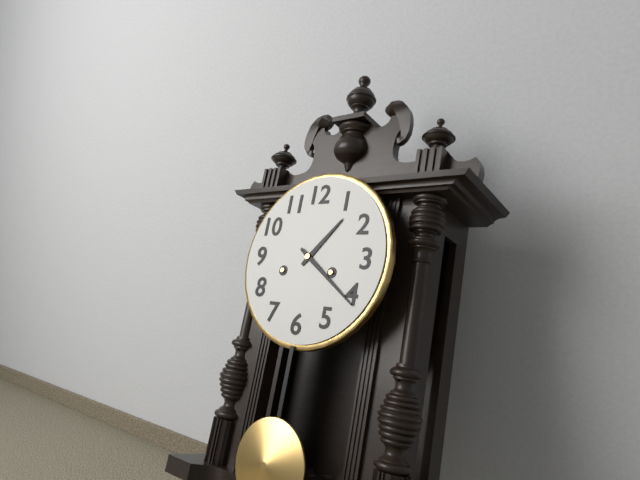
1:21
